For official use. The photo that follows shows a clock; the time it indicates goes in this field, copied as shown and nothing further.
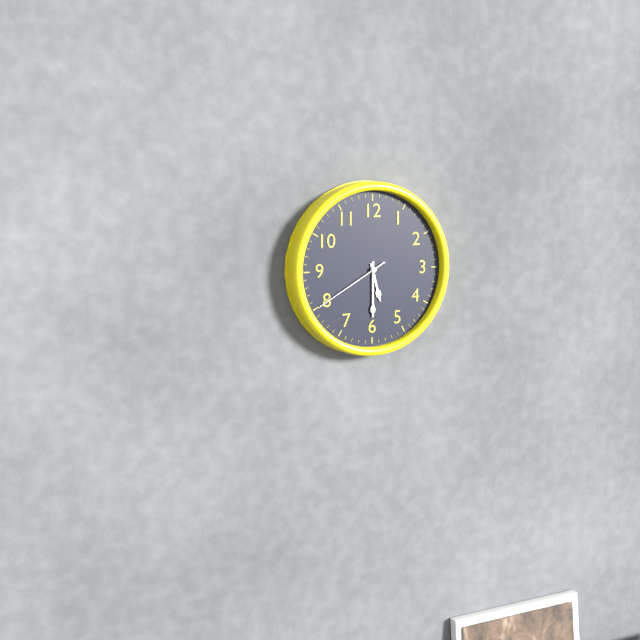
5:30:40
